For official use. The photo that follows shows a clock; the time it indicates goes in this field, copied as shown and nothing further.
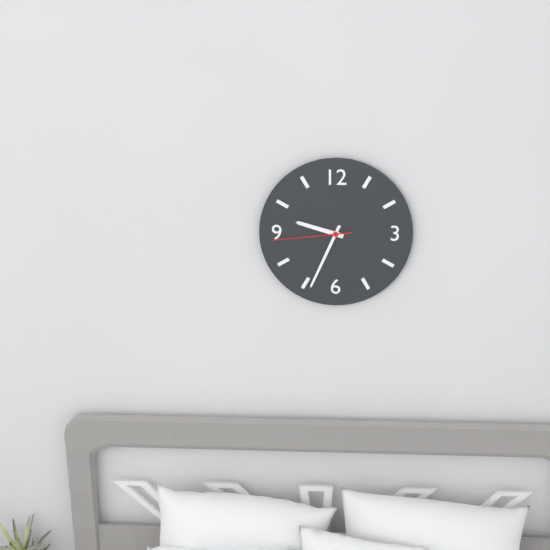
9:34:44
